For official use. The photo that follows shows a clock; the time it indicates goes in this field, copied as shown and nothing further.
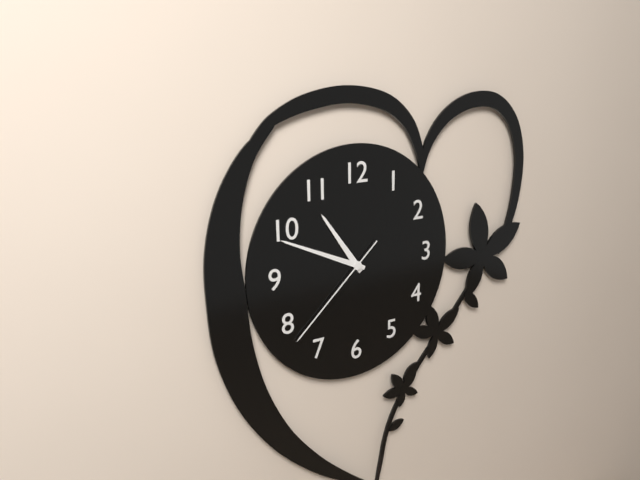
10:49:38
